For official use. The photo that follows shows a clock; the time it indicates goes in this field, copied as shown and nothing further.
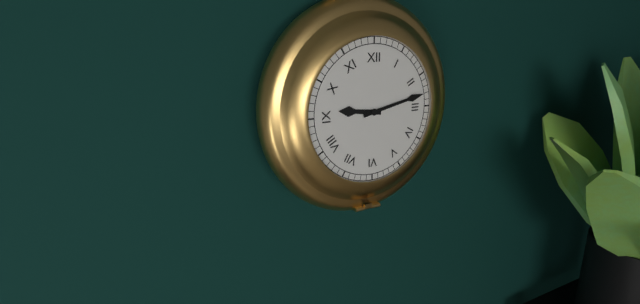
9:13
